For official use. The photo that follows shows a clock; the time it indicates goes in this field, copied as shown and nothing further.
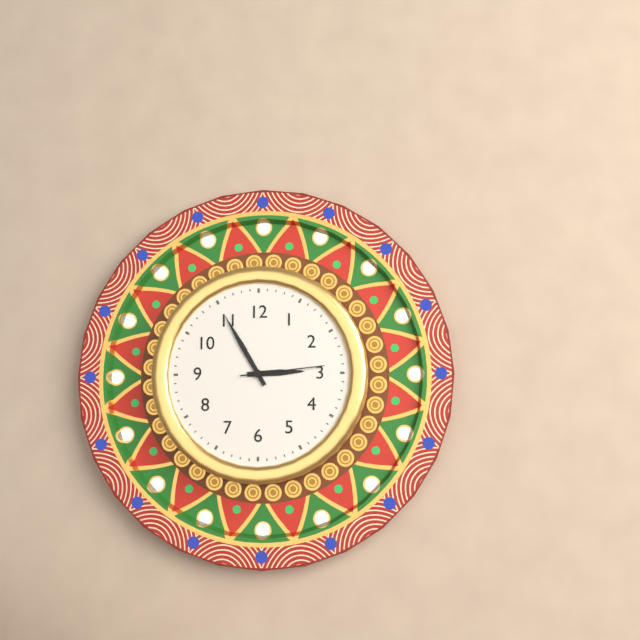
2:55:14
